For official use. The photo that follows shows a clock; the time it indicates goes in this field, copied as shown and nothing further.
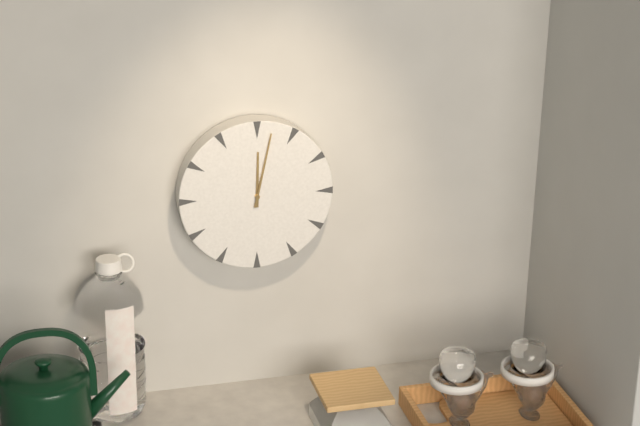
12:02
